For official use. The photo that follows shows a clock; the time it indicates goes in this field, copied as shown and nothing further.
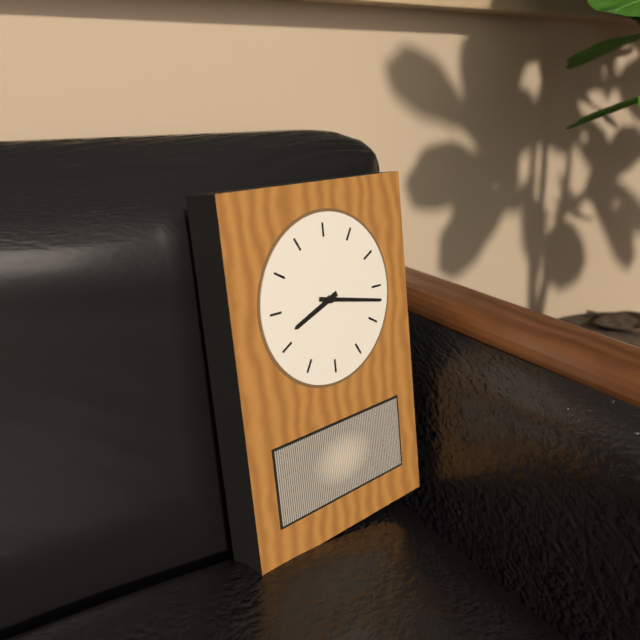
8:17
